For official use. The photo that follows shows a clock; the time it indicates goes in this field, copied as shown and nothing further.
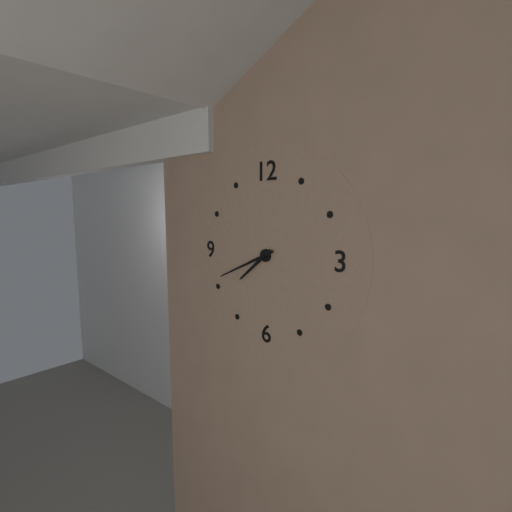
7:41
